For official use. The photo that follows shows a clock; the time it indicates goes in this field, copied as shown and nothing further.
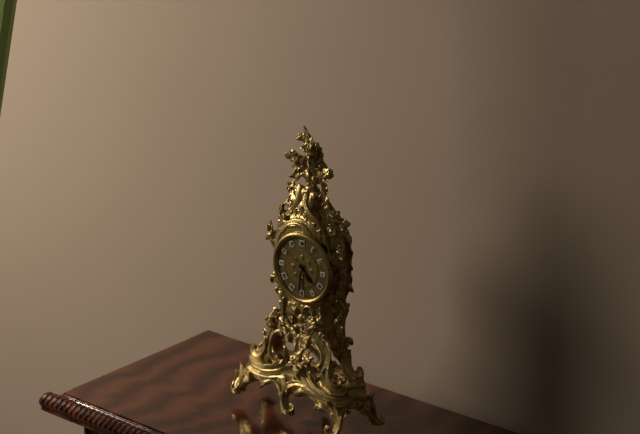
4:31
